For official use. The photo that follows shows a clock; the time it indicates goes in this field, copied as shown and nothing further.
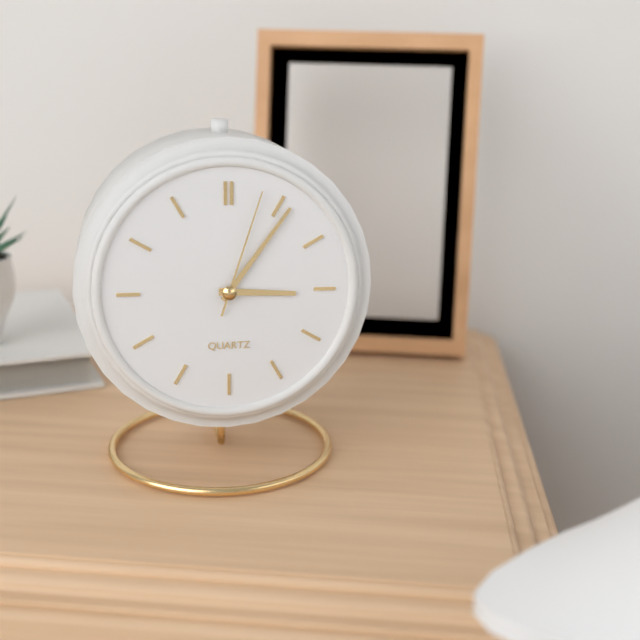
3:06:03
